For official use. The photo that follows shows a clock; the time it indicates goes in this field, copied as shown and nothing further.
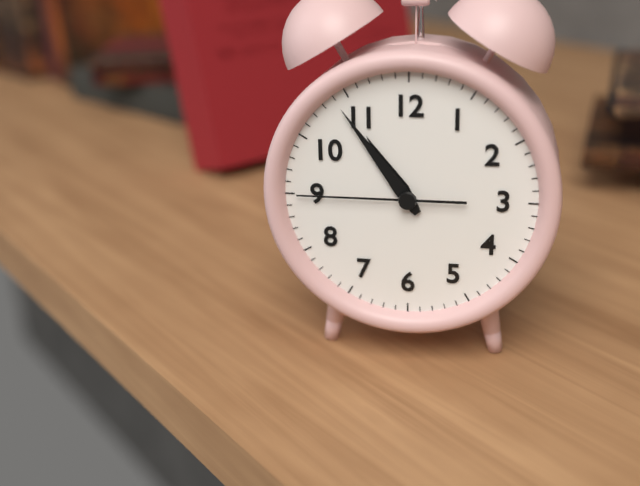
10:54:45
